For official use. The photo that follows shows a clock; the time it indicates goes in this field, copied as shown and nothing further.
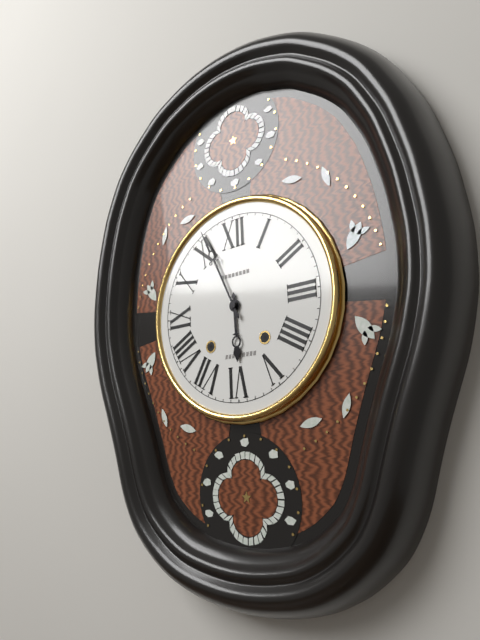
5:56
